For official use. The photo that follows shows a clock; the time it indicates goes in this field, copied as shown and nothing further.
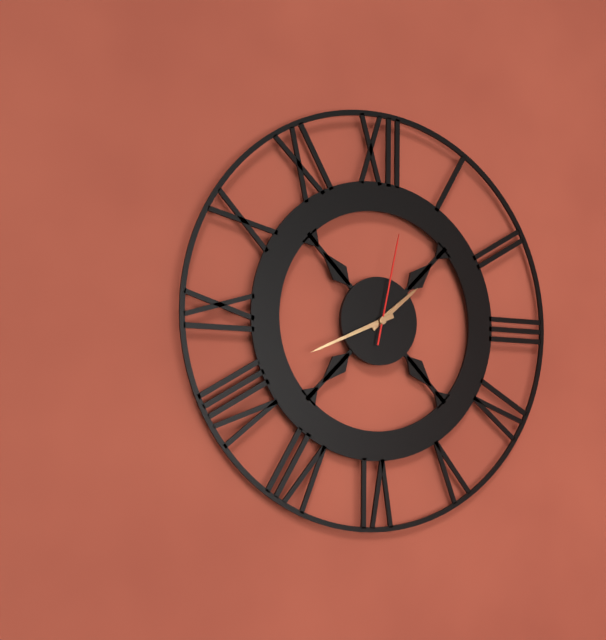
1:41:02
